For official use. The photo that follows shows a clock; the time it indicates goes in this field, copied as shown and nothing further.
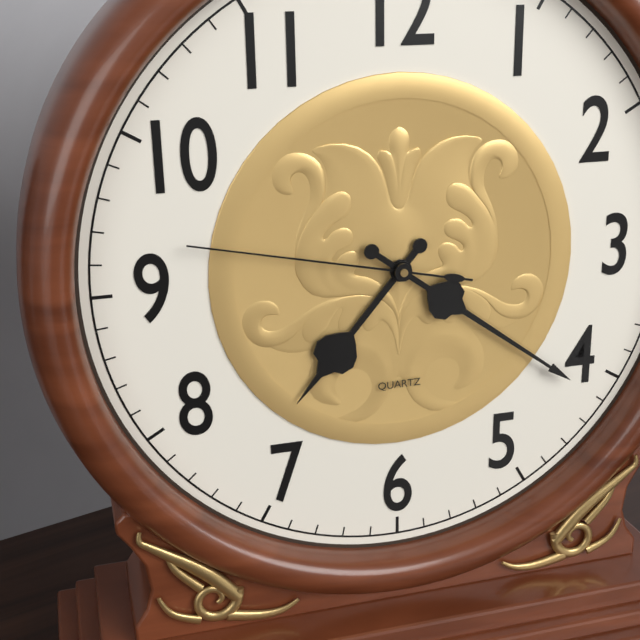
7:21:47
